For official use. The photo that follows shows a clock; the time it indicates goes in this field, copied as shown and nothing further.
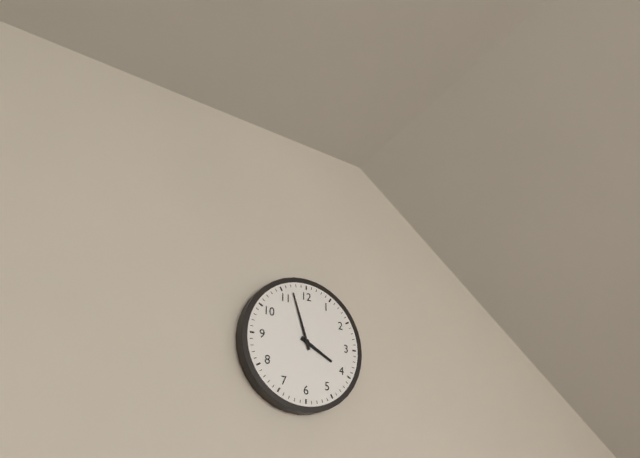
3:57
